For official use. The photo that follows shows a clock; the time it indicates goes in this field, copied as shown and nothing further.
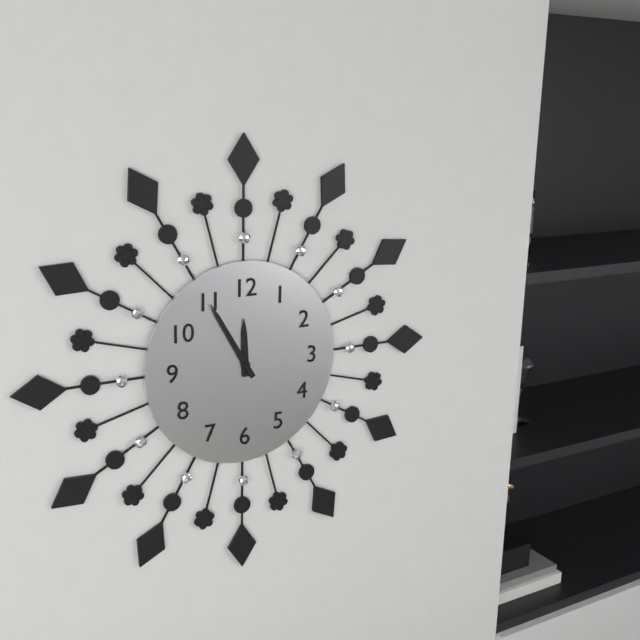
11:55
